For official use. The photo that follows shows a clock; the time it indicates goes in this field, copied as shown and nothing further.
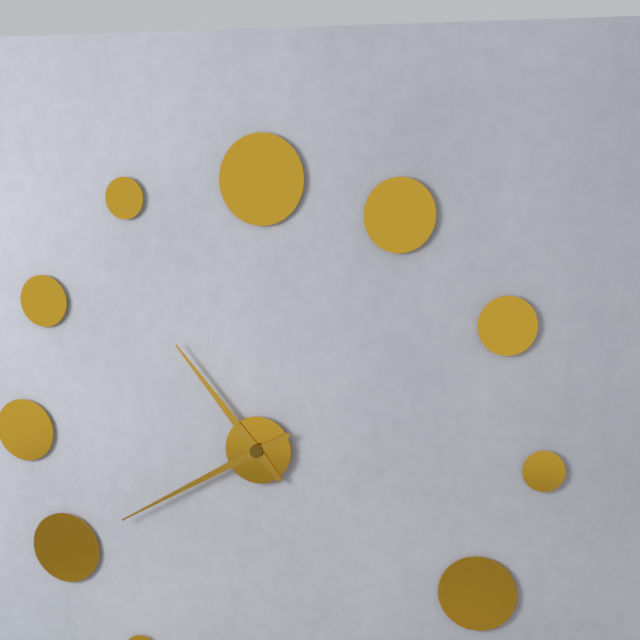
10:40
